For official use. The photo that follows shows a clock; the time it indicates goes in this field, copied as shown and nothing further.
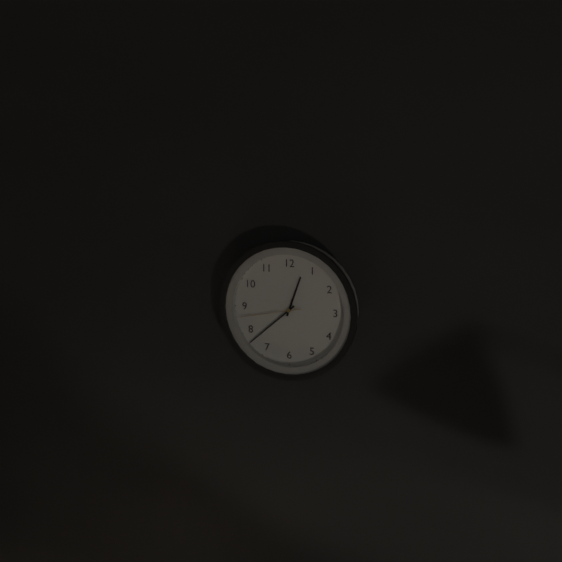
12:38:43
